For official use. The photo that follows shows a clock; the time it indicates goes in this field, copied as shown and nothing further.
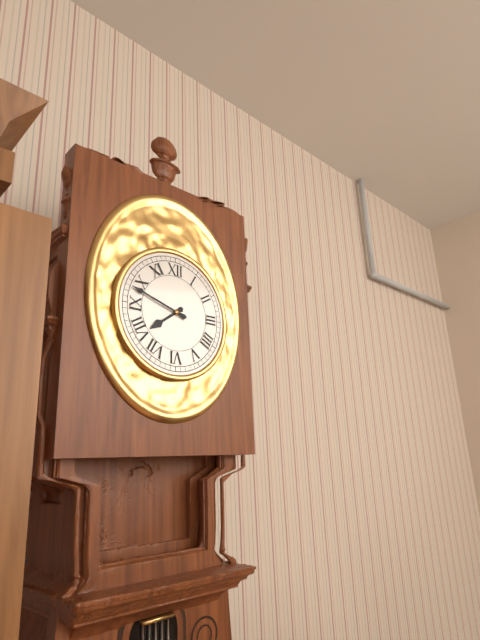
7:48
